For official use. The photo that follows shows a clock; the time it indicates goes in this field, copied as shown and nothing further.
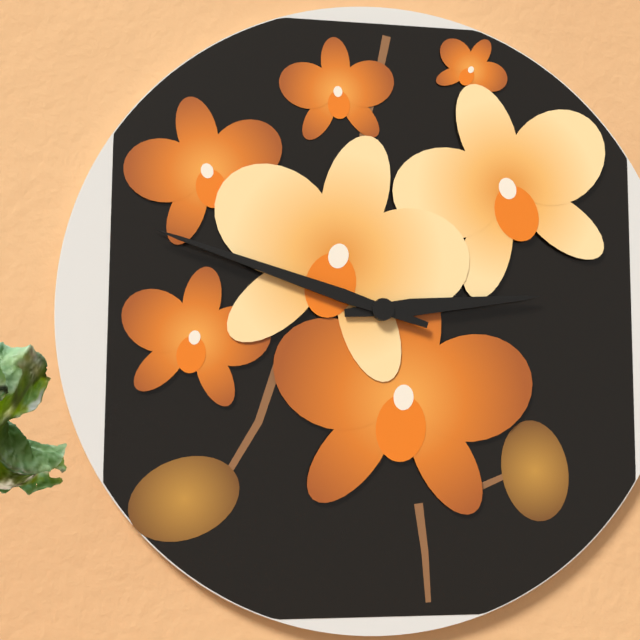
2:48
